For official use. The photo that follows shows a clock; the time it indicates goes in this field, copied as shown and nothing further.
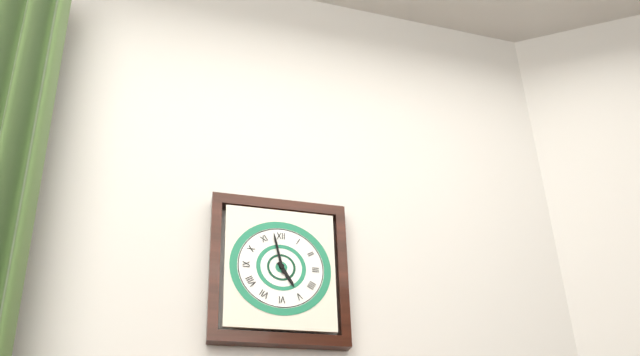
4:58
